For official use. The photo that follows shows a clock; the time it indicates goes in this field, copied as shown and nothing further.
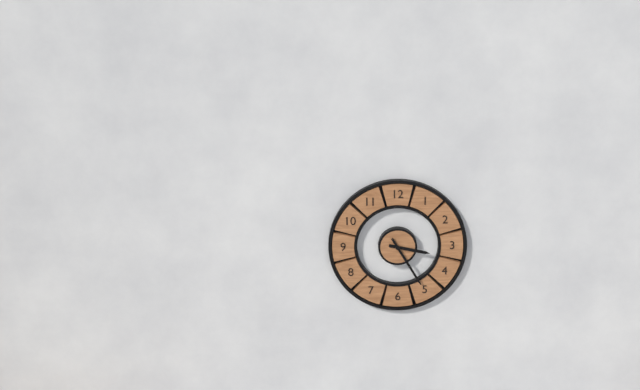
3:25
